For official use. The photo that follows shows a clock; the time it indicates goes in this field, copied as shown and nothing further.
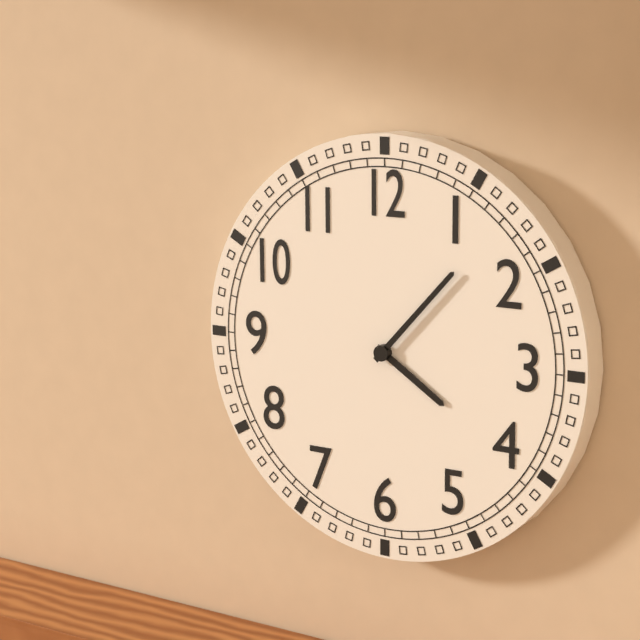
4:07
